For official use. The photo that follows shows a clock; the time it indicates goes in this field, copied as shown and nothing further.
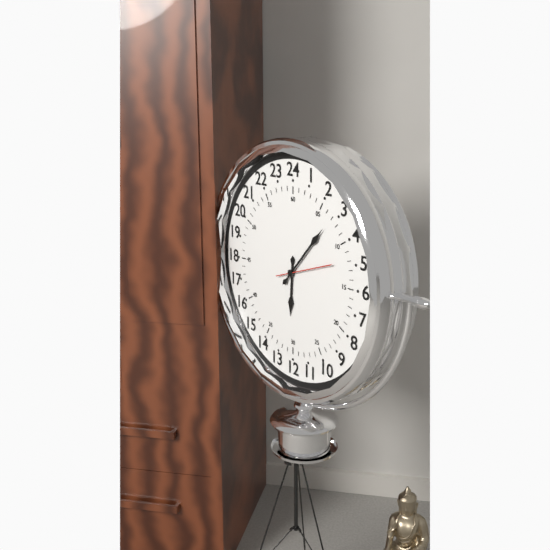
6:07
